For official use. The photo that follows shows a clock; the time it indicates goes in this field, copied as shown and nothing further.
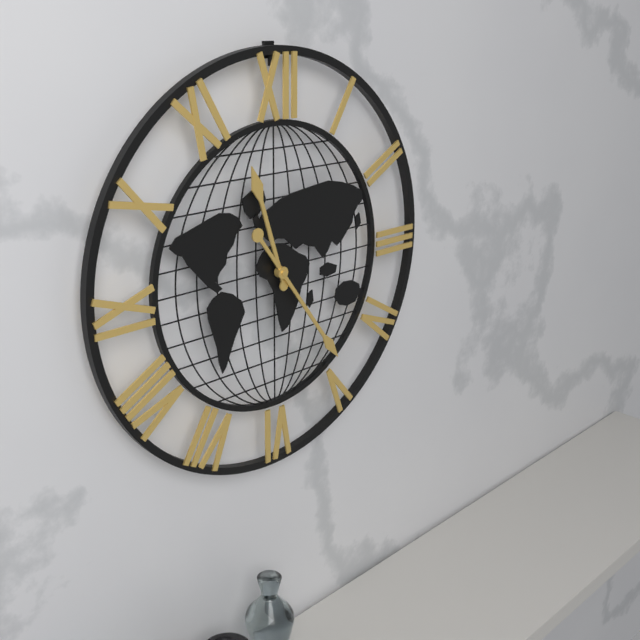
11:24
